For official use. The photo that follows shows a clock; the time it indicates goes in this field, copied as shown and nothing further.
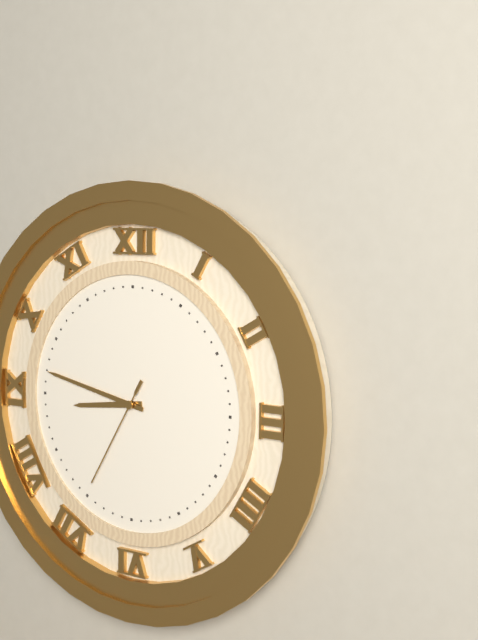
8:47:35
